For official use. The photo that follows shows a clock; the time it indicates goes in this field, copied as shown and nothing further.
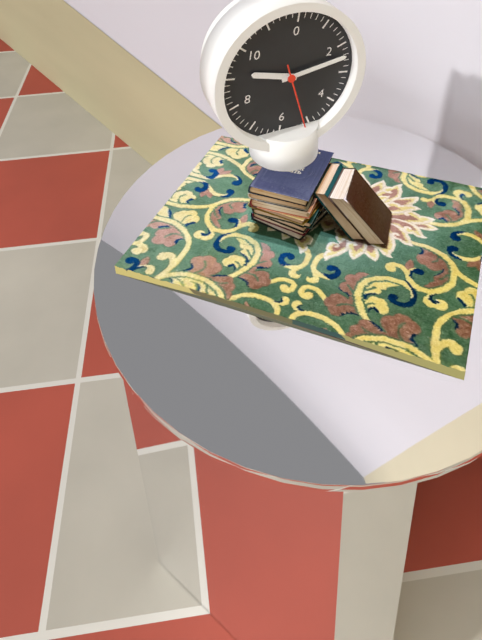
9:12:26
